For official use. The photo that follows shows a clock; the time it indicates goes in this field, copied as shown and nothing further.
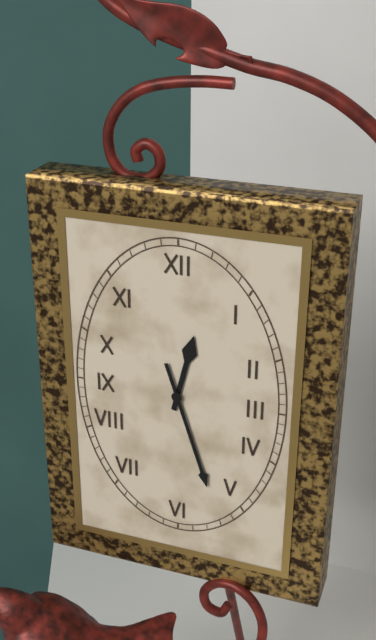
12:27
